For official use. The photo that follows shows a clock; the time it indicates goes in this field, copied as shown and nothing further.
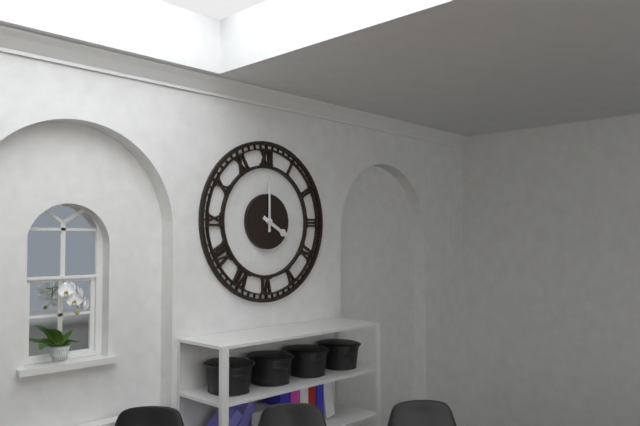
4:00
